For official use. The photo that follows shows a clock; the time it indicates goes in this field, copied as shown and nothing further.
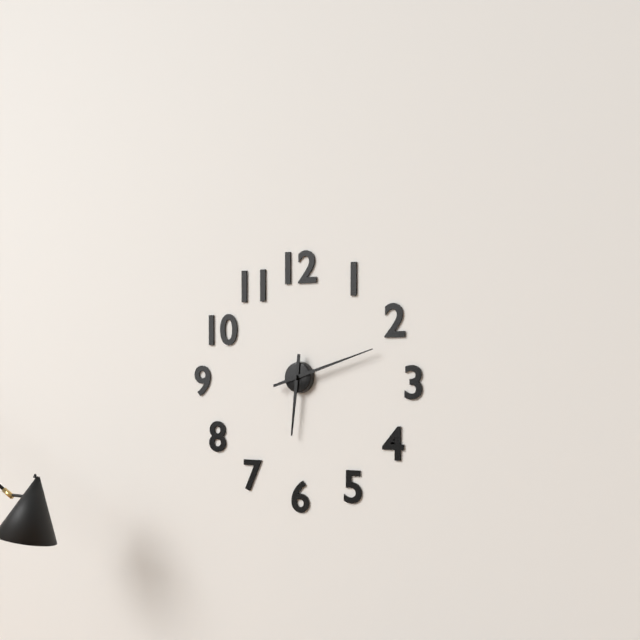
6:12
